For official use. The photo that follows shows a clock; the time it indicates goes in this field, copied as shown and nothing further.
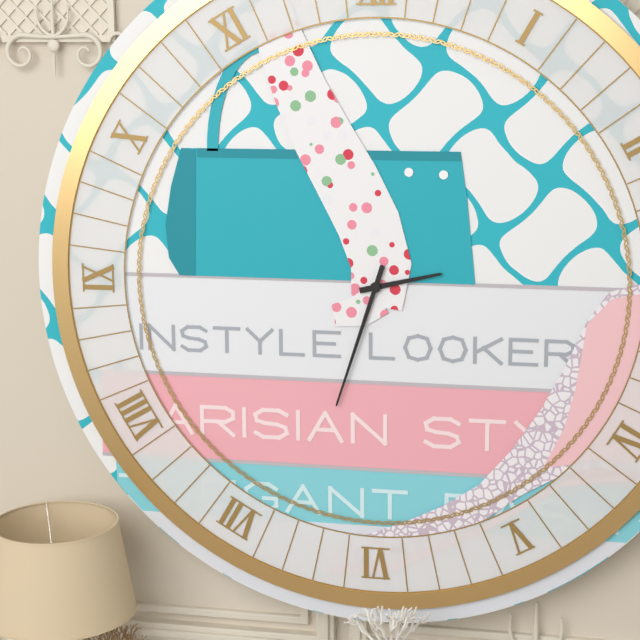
2:33
